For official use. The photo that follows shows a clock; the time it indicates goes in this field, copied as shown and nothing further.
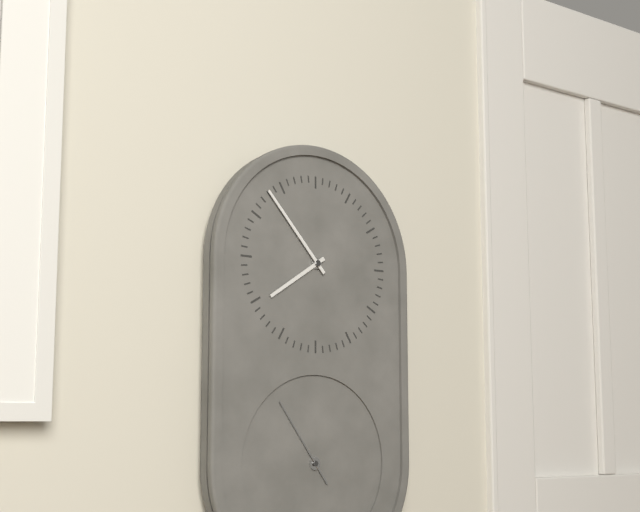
7:53:54
